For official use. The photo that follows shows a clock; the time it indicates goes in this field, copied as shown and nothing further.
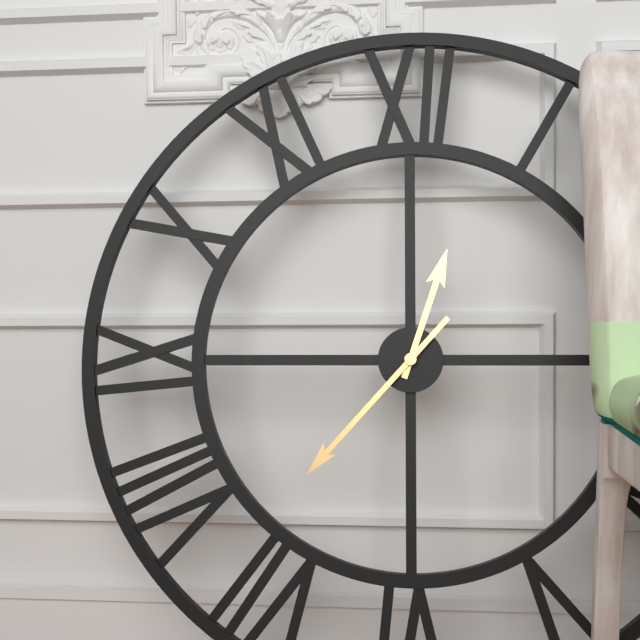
12:37
